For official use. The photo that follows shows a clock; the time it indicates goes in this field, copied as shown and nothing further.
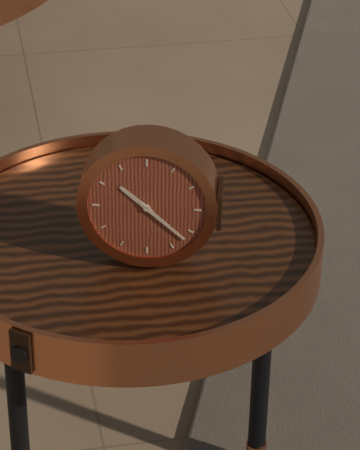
10:22
